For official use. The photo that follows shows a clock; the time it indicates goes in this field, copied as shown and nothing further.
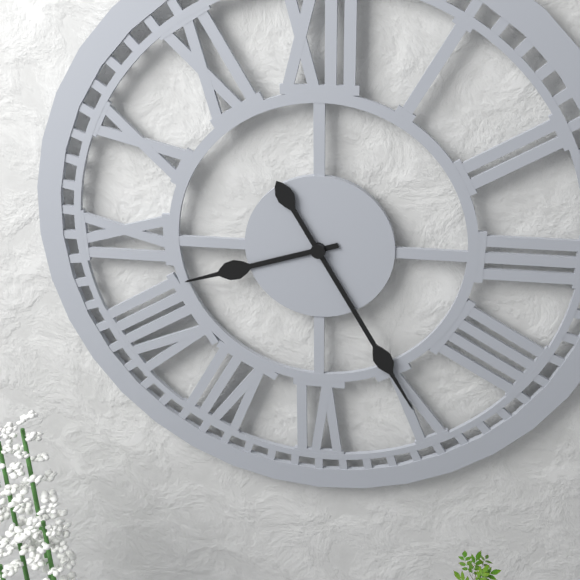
8:25
